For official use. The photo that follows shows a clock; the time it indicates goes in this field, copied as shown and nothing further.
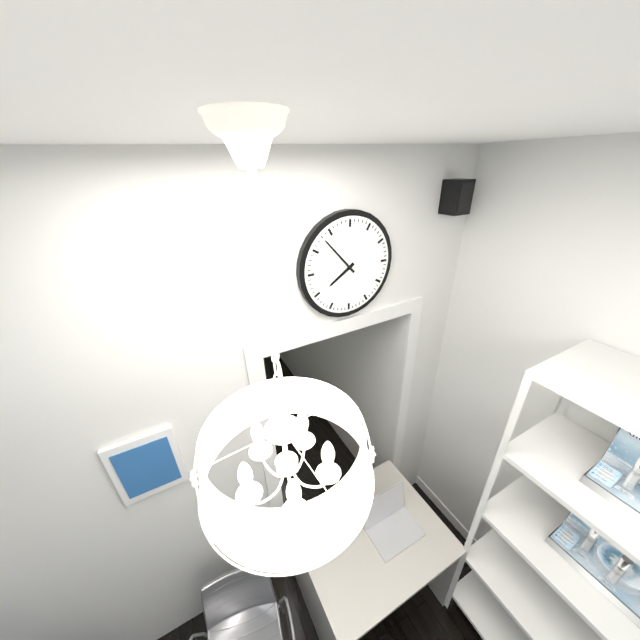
7:53
